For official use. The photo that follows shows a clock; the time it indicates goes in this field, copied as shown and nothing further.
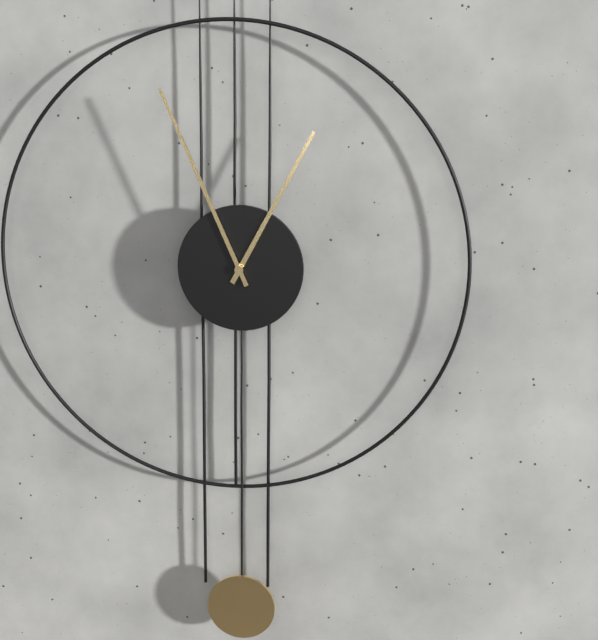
12:56
